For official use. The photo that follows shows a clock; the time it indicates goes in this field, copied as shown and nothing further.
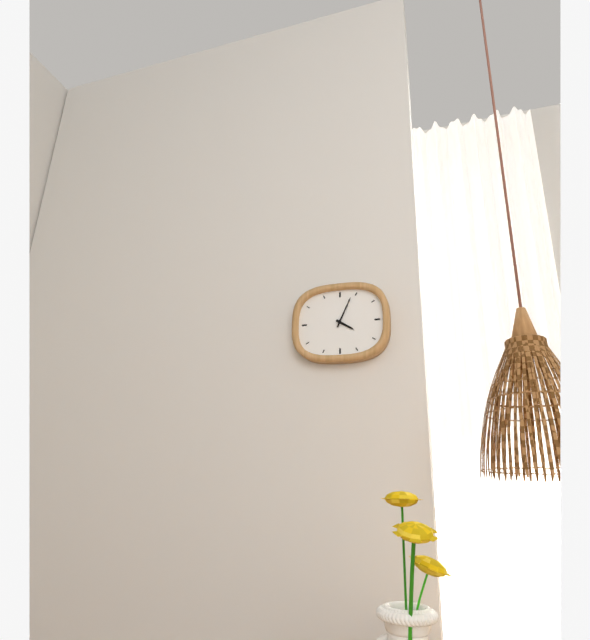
4:04
